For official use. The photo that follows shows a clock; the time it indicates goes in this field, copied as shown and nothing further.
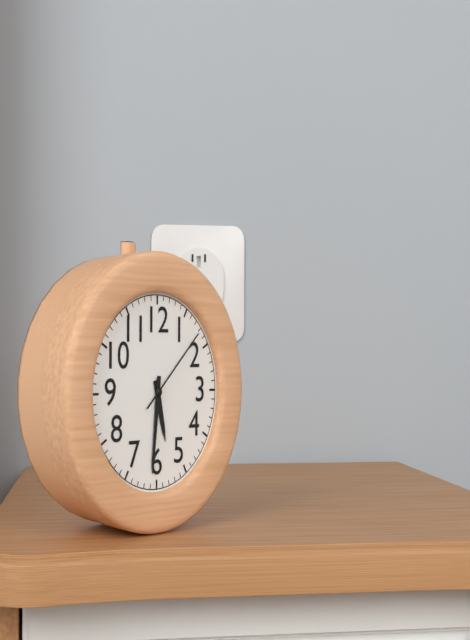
5:31:08
